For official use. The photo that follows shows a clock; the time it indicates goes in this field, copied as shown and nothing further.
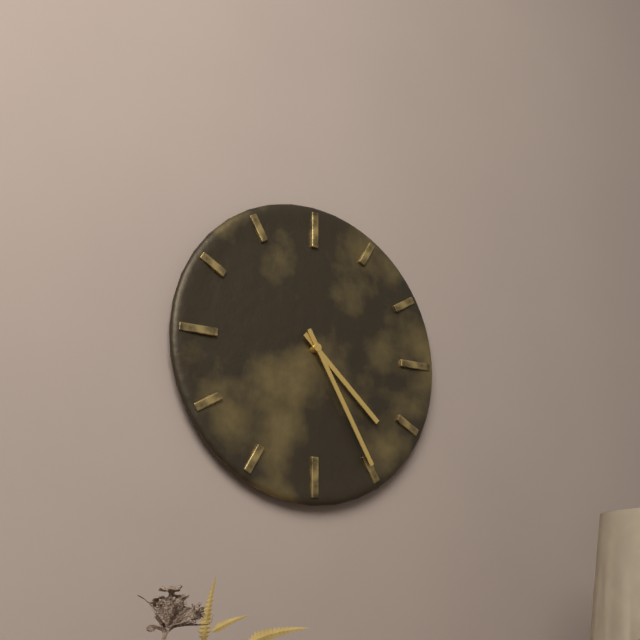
4:25
